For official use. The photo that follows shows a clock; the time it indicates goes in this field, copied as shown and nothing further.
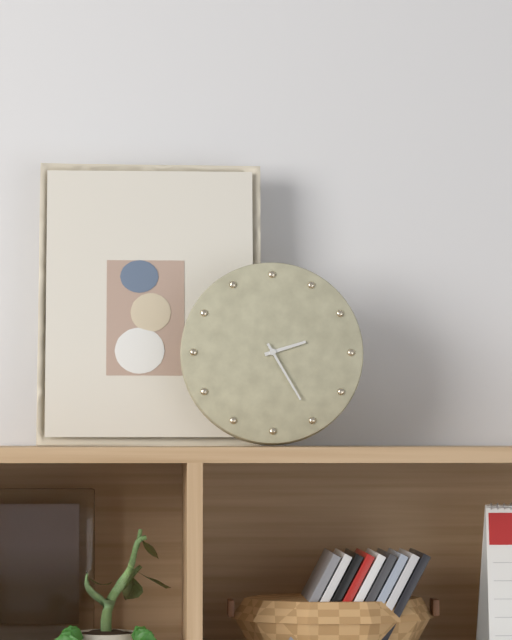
2:25
